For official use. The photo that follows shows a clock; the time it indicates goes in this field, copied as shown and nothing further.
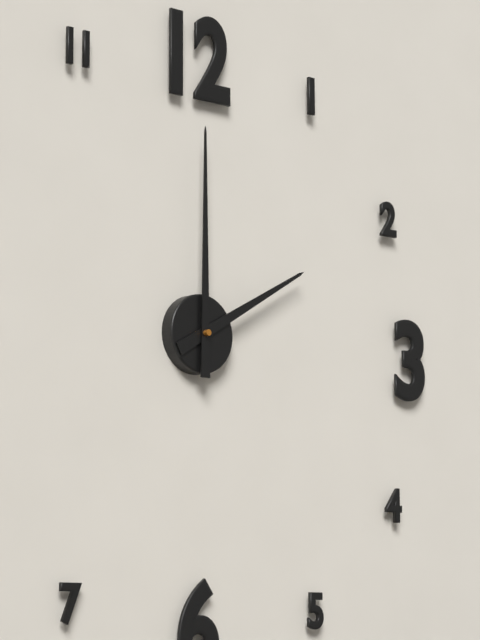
2:00
